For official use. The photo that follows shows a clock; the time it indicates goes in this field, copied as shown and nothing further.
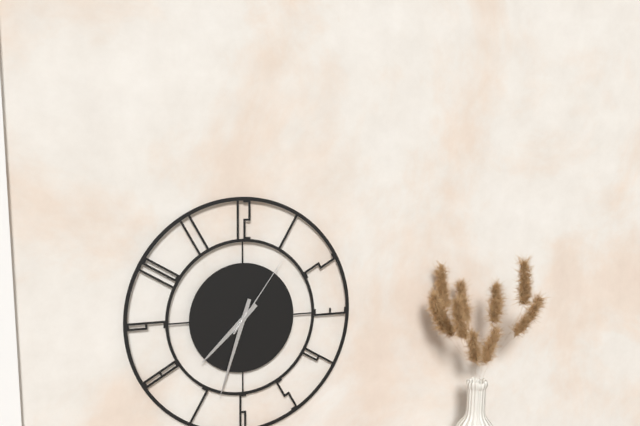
7:33:06
